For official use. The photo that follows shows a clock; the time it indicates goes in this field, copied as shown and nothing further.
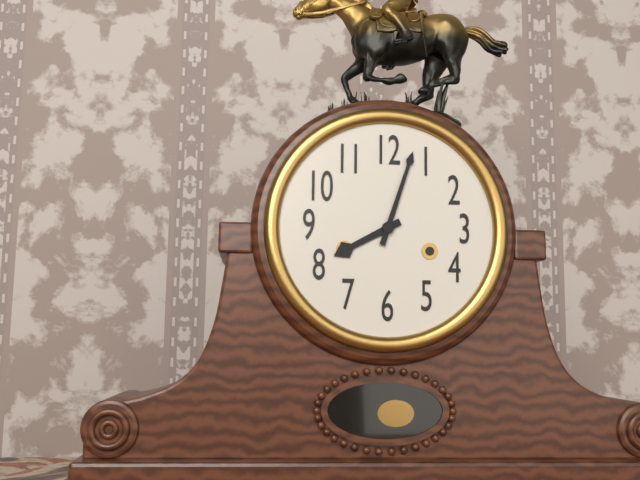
8:03
